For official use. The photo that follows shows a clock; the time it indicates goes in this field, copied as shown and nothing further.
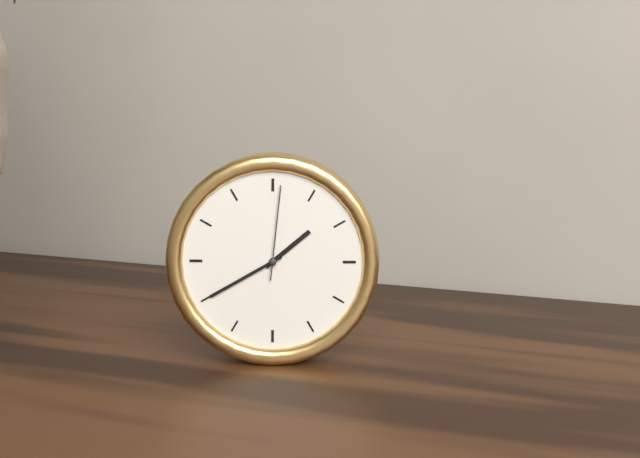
1:40:01
